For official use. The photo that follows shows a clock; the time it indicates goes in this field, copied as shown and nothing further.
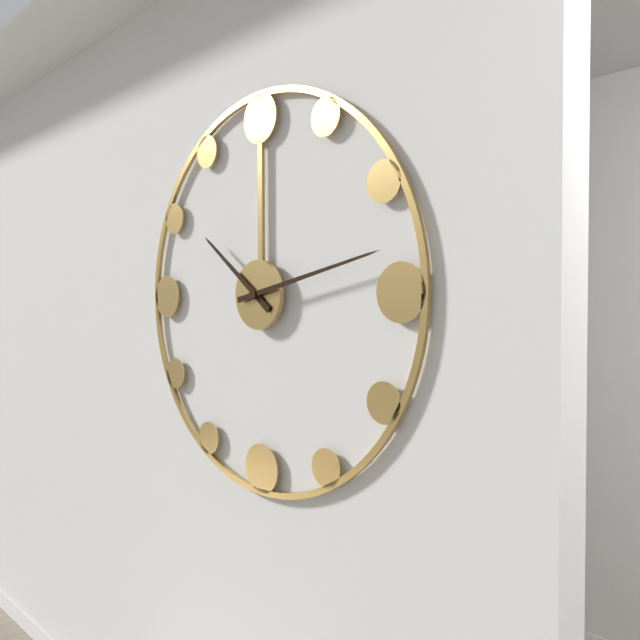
10:13
